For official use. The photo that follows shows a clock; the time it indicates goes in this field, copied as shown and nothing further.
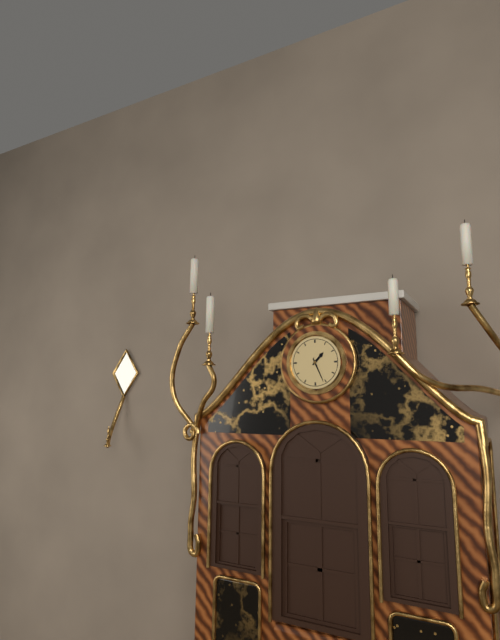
1:26
